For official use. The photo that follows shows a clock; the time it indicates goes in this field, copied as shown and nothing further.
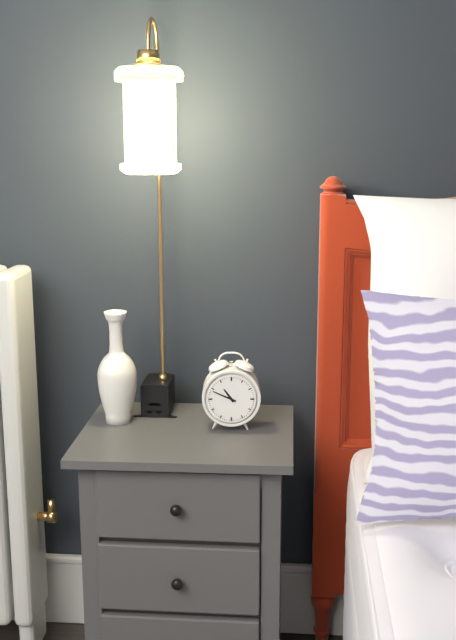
10:49
